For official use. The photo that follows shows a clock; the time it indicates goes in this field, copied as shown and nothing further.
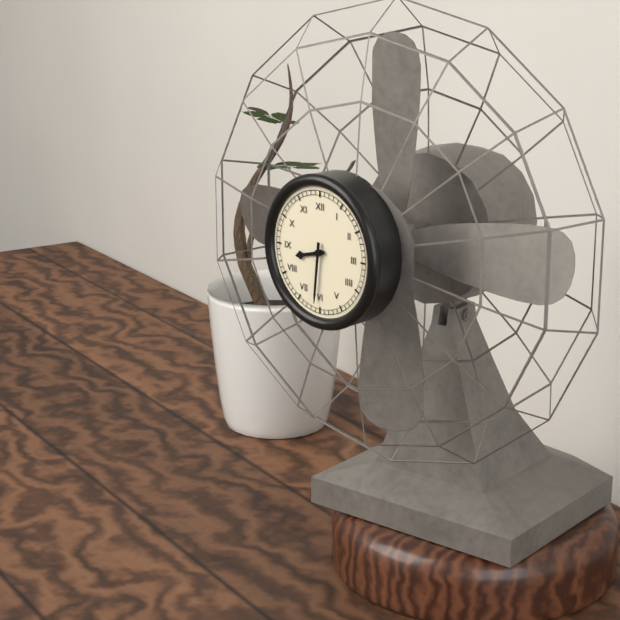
8:31
